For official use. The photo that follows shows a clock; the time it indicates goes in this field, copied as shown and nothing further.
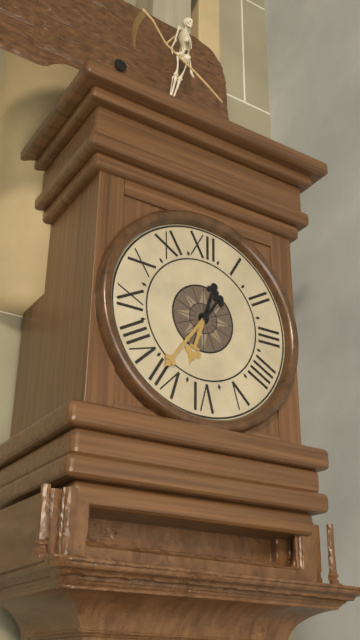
6:36
